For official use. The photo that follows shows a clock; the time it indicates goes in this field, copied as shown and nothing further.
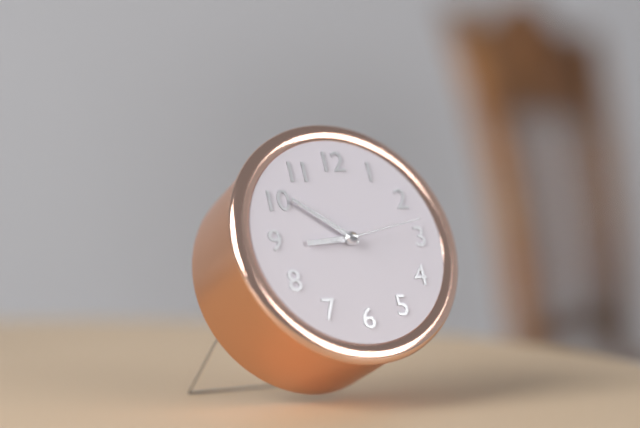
8:51:13
